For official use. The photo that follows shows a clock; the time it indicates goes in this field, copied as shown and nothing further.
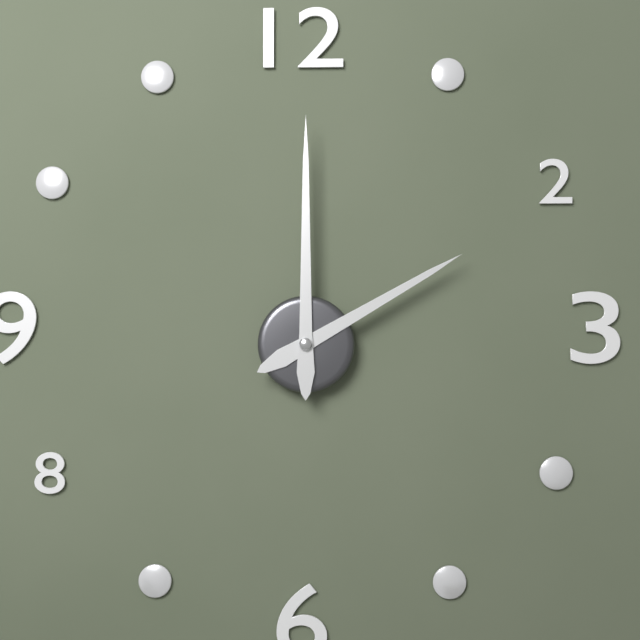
2:00
